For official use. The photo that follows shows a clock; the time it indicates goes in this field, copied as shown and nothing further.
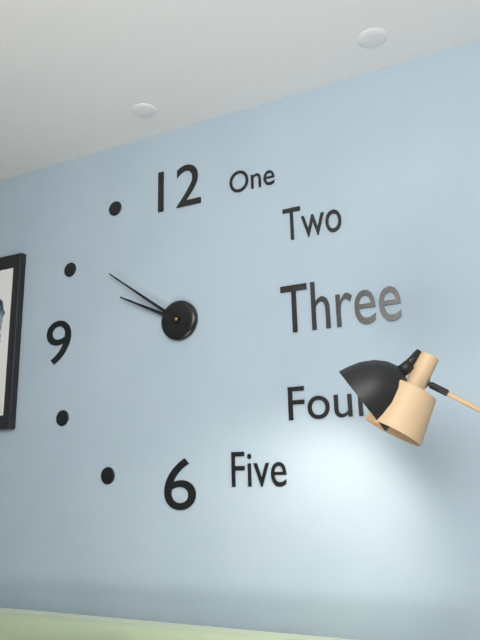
9:51
